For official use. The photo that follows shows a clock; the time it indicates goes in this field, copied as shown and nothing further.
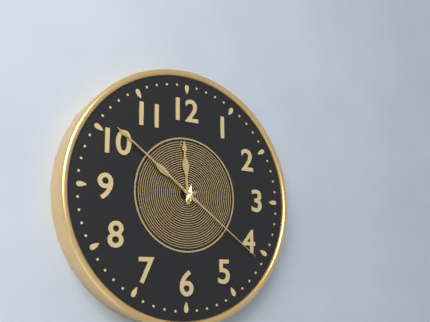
11:51:21
